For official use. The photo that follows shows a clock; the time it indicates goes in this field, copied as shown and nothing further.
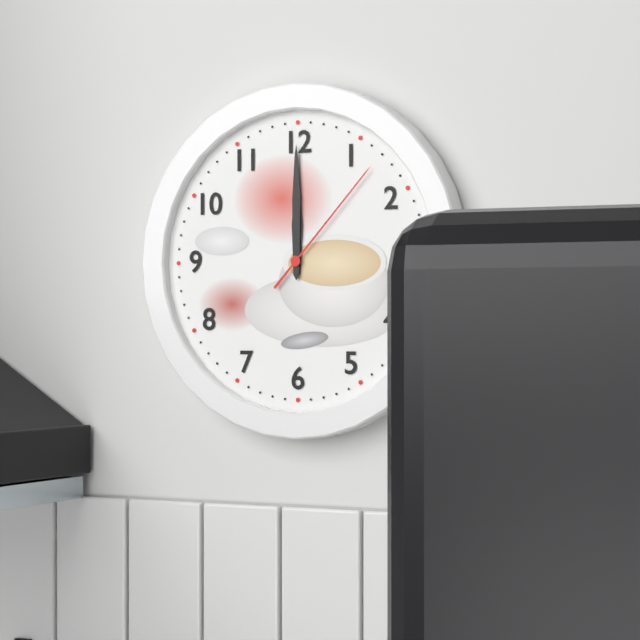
12:00:07
